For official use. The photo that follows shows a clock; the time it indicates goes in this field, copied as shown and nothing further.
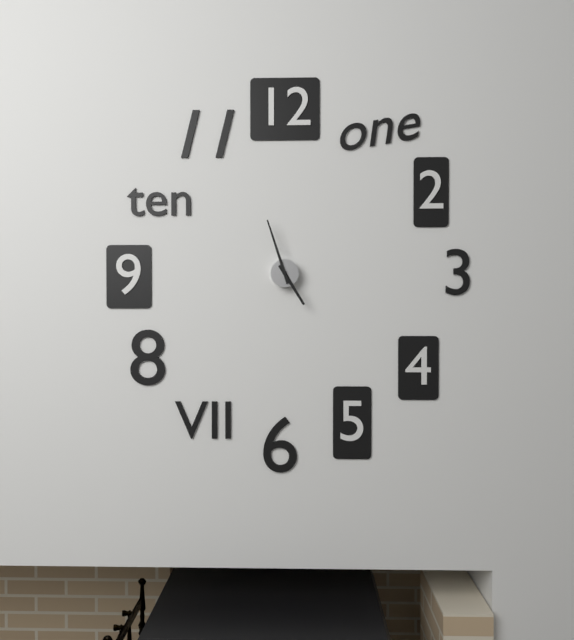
4:57
